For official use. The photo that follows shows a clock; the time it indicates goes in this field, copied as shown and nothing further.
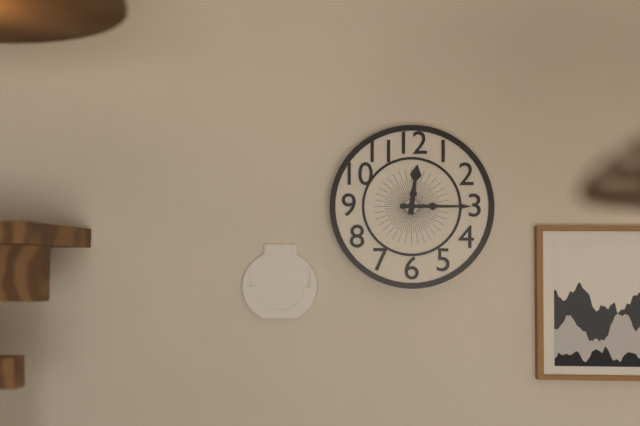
12:15
